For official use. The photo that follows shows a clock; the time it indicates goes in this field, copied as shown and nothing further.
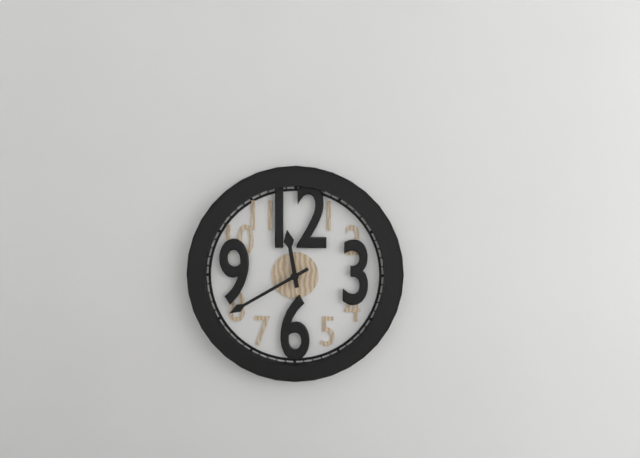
11:40
